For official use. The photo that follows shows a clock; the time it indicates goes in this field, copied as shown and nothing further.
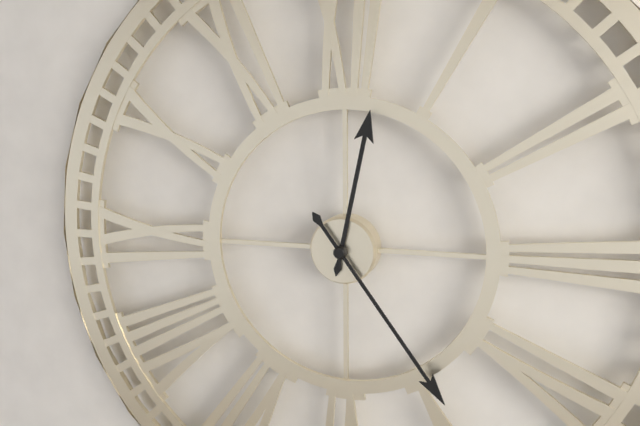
12:24
